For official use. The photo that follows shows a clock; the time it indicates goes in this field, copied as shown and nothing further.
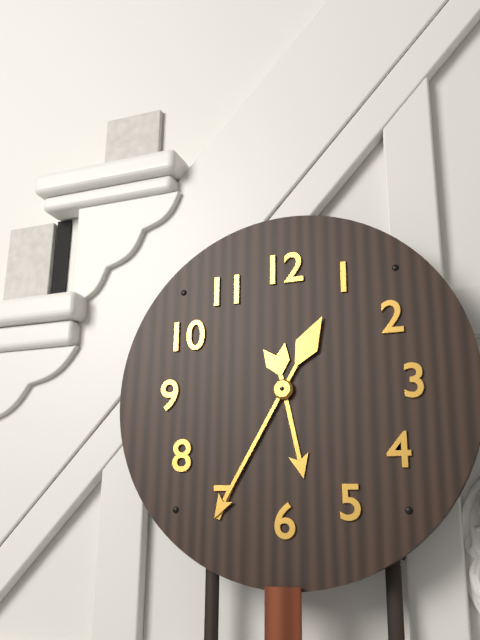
5:35
